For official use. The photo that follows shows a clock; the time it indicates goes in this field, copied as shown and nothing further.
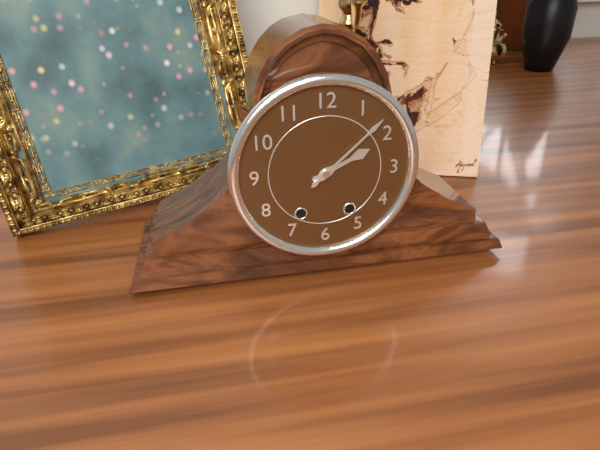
2:08
